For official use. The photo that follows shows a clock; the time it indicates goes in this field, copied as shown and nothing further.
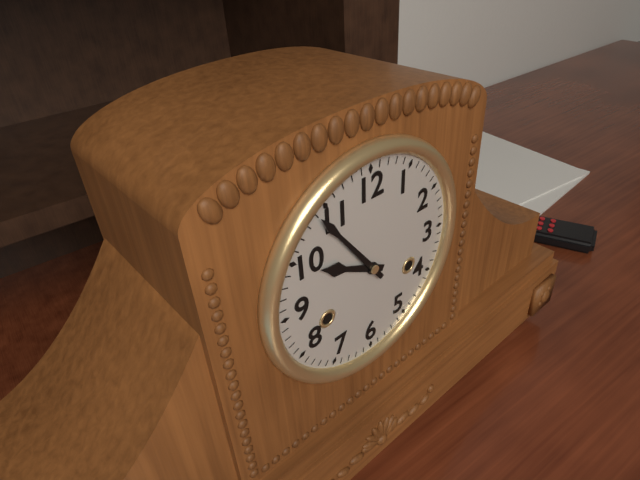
9:54
